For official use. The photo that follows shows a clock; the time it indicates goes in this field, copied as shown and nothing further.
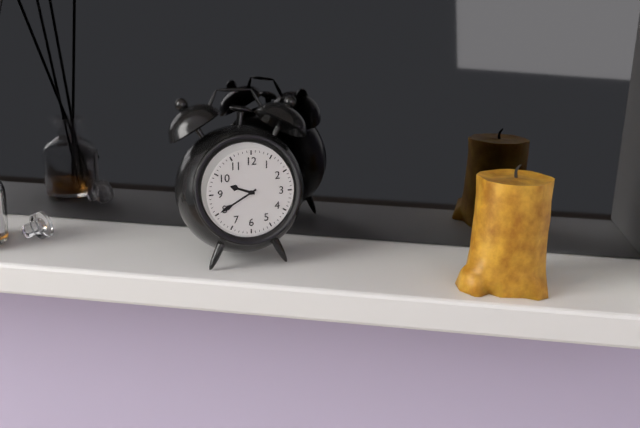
9:40
